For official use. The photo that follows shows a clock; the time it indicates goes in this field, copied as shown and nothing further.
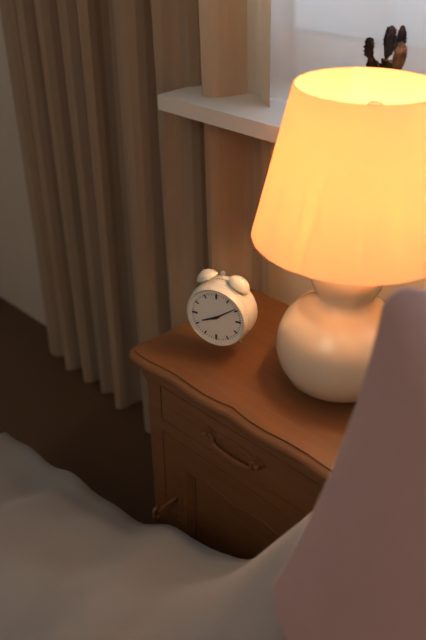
8:09
